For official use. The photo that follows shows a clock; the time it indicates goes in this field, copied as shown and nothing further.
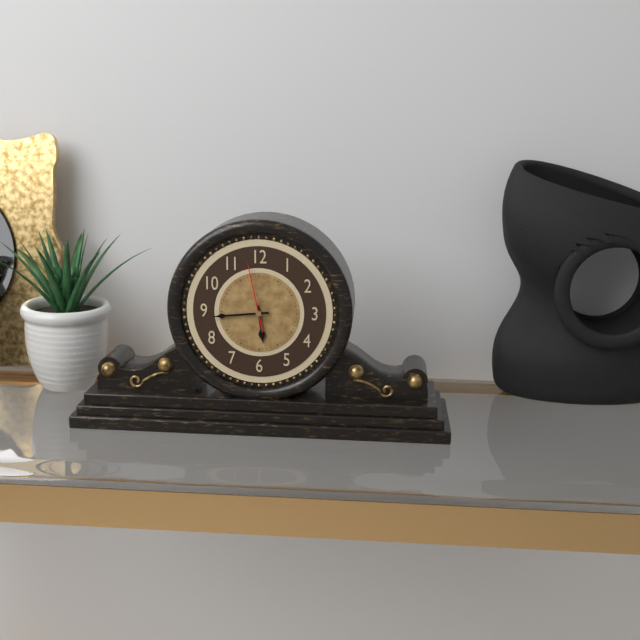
5:44:58
